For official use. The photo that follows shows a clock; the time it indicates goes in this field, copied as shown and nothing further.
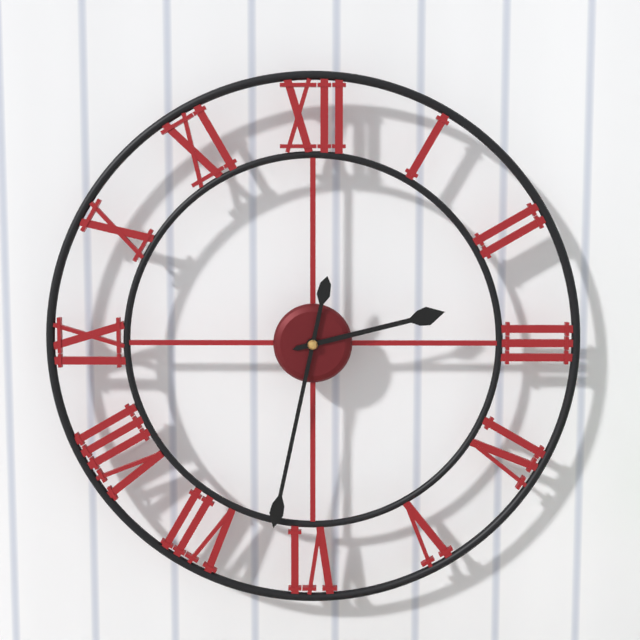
2:32
